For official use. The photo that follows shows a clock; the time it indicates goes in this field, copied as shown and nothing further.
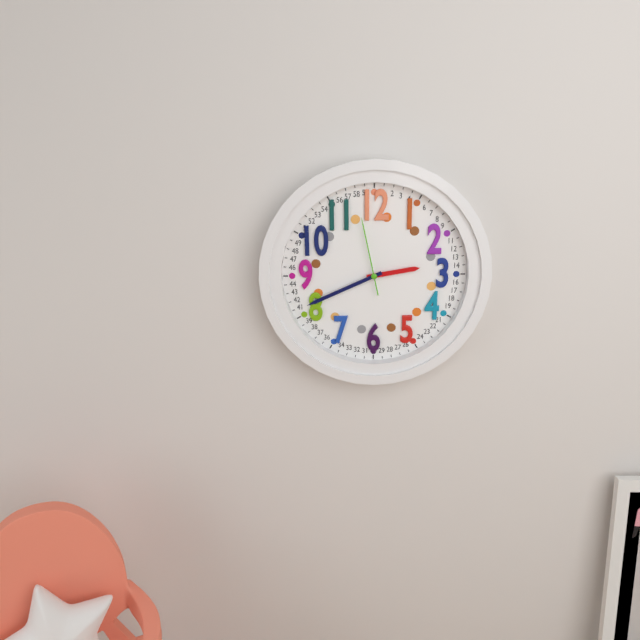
2:41:58
